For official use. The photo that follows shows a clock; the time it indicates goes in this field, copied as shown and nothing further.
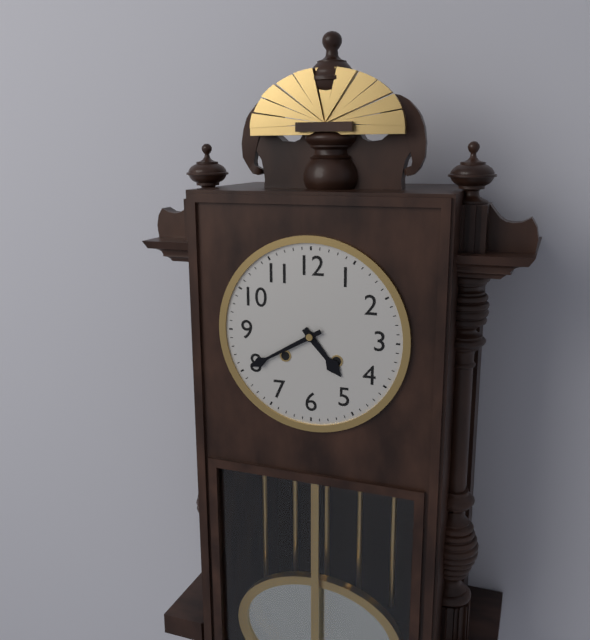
4:40
